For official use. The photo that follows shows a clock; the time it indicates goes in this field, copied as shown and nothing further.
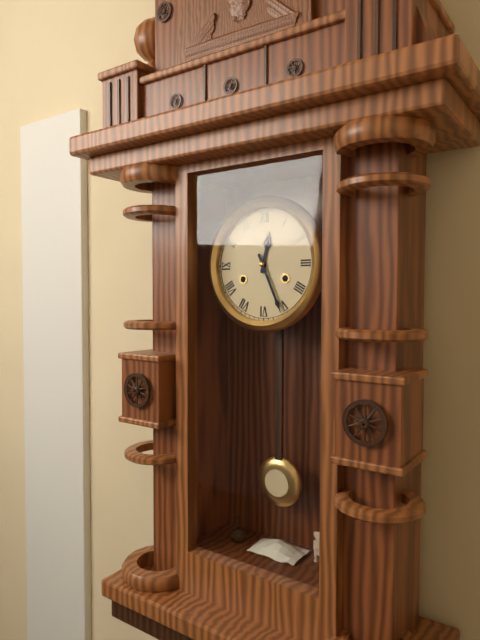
12:26
